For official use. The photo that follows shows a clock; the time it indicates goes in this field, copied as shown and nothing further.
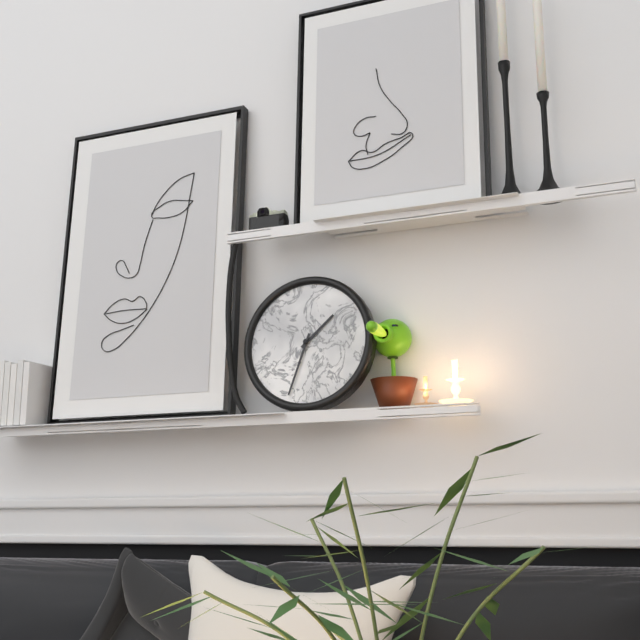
1:33
